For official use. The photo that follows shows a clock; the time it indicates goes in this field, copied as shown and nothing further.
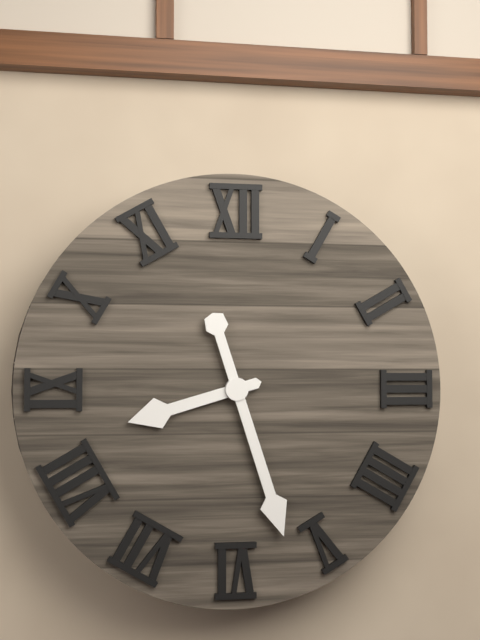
8:27
